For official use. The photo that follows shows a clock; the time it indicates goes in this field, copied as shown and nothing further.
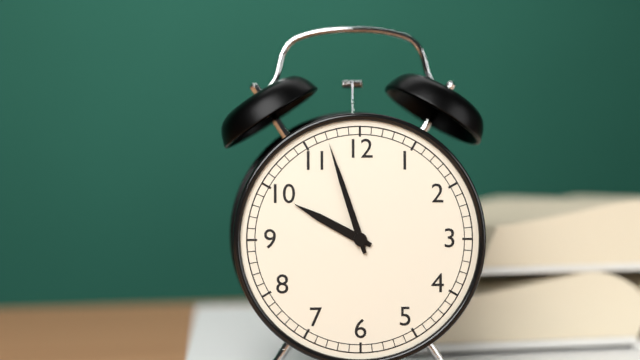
9:57
